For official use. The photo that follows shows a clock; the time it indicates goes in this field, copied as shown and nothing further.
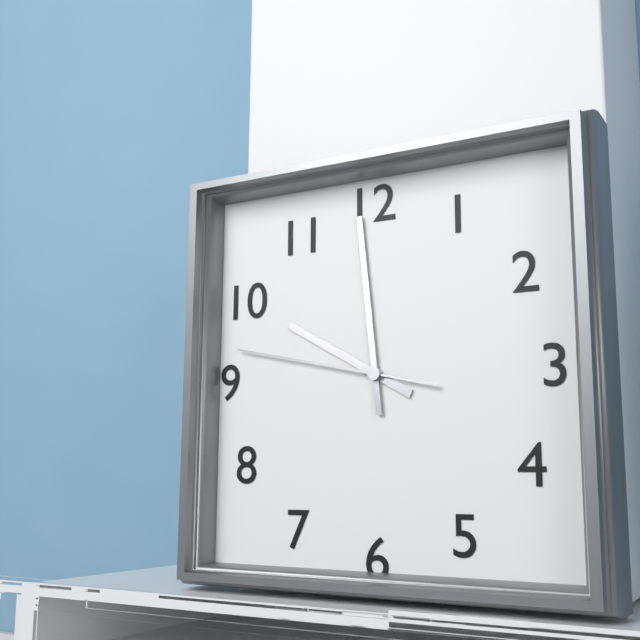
9:59:47
